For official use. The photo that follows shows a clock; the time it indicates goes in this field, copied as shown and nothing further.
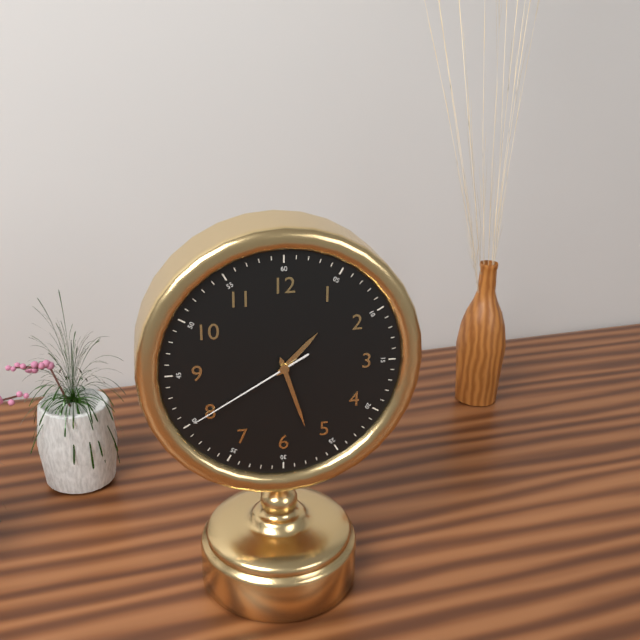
1:27:40
